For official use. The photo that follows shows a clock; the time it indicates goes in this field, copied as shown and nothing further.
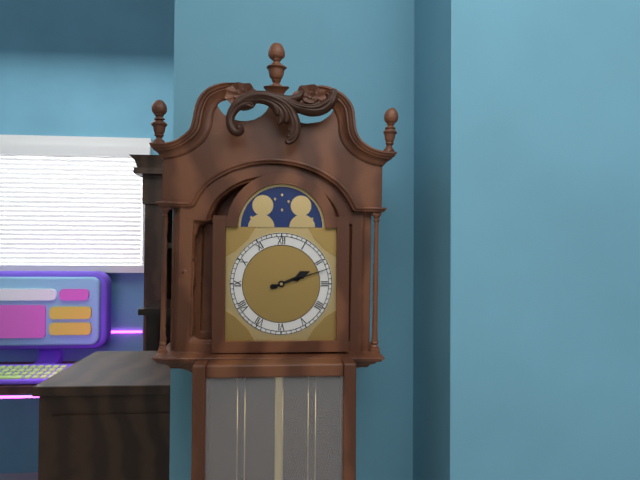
2:12
